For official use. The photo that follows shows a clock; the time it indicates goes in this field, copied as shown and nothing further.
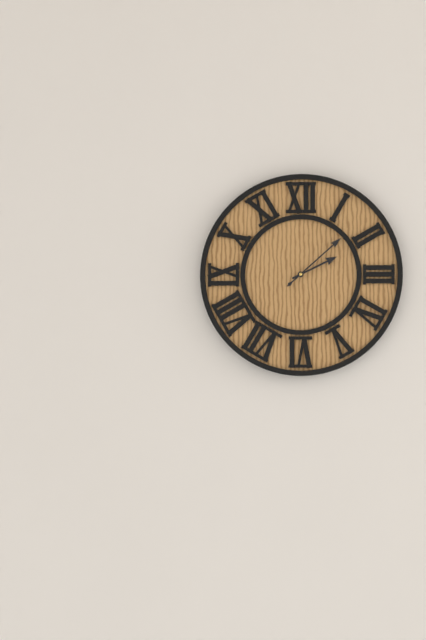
2:08
